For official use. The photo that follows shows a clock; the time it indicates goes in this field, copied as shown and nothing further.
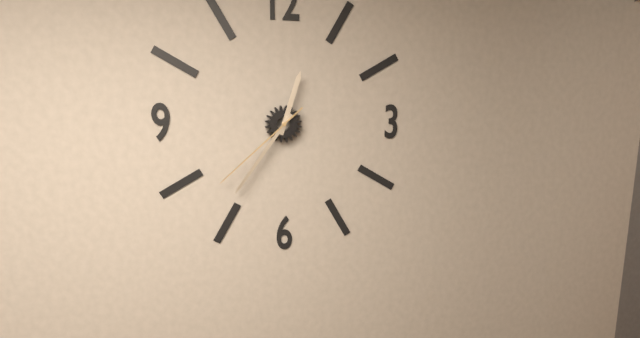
12:36:38
